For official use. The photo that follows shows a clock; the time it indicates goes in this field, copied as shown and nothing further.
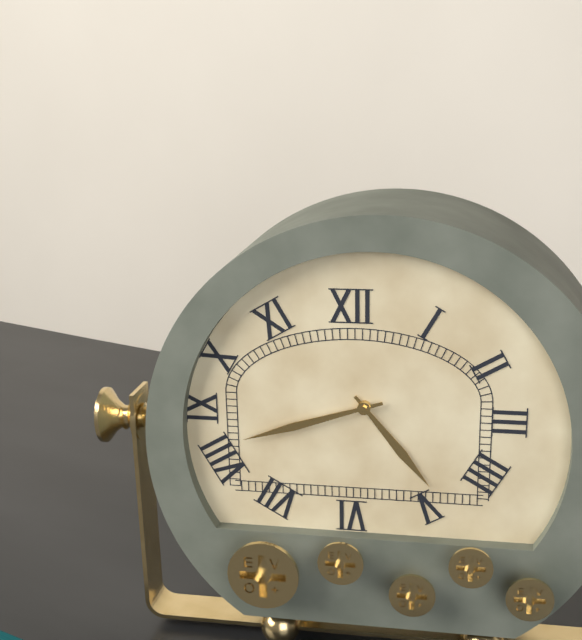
4:42
